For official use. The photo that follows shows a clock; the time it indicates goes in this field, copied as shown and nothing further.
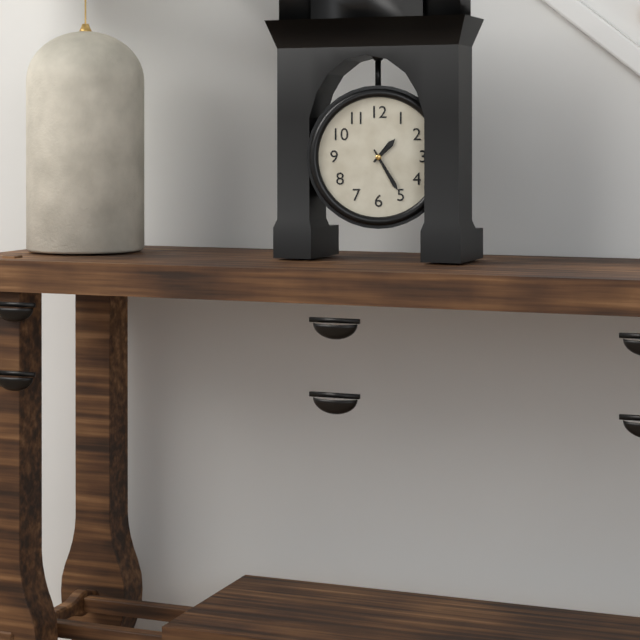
1:25
